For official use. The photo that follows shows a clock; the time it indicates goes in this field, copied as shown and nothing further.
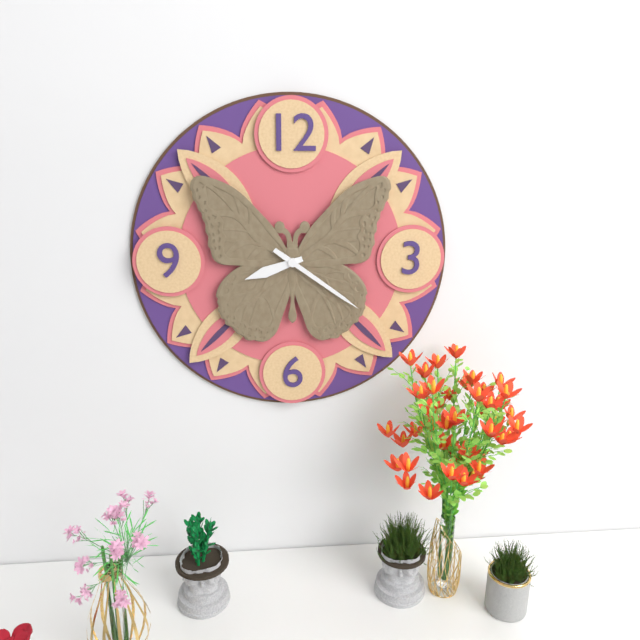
8:21
